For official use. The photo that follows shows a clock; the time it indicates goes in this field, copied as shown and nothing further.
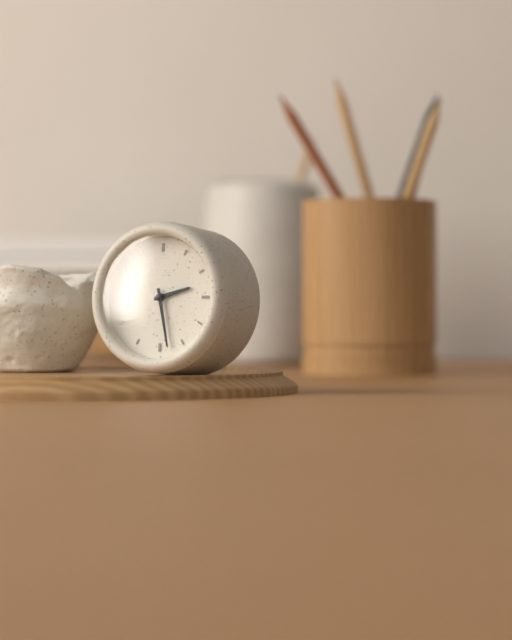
2:28
